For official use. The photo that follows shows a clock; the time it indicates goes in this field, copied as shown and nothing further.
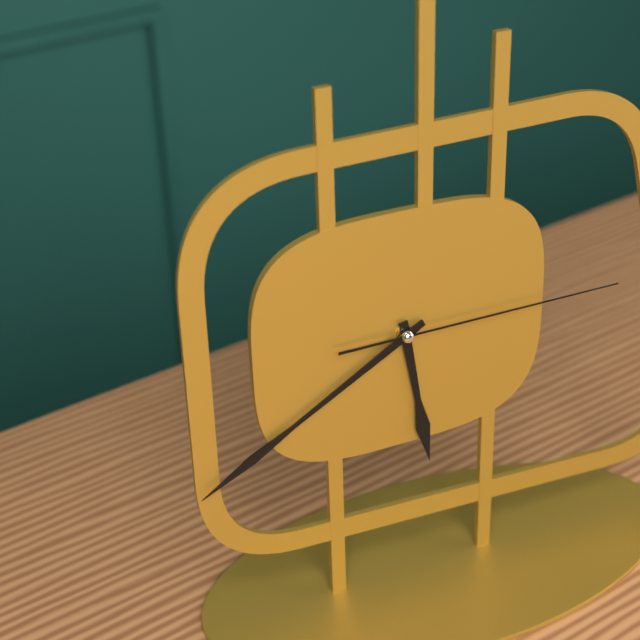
5:40:15
